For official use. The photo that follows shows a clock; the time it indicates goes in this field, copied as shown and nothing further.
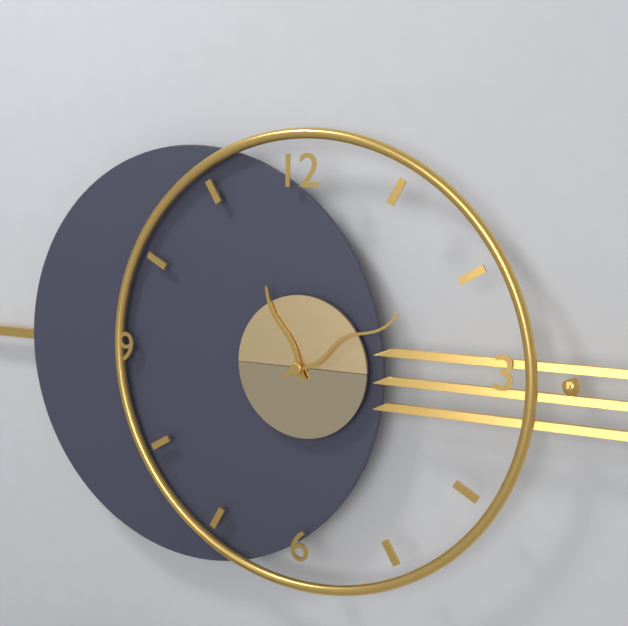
11:10
